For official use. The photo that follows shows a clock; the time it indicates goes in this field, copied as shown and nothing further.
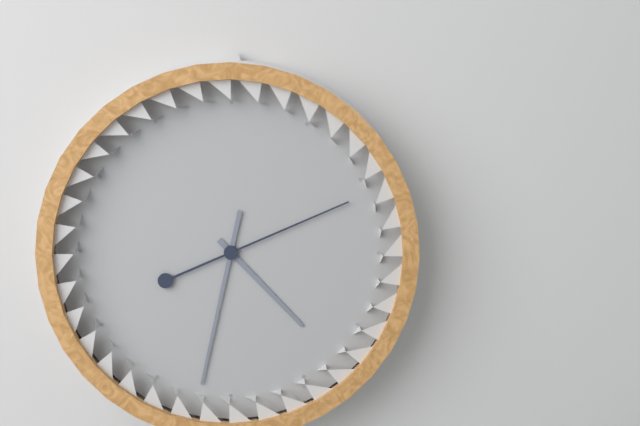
4:32:11
